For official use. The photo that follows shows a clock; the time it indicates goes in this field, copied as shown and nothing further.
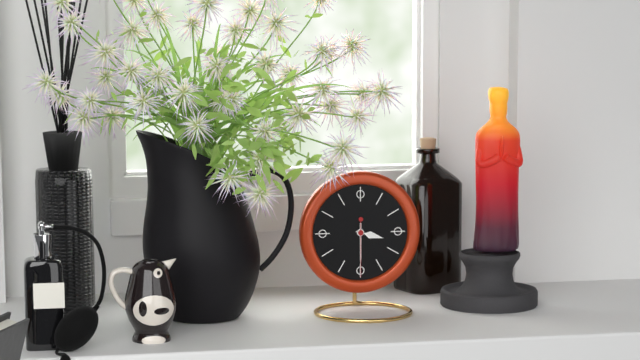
3:30:30
